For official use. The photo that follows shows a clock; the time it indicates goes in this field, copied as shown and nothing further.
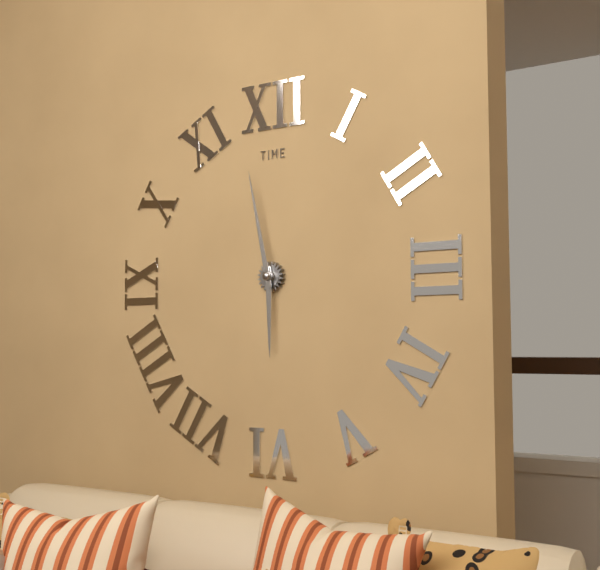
5:58
